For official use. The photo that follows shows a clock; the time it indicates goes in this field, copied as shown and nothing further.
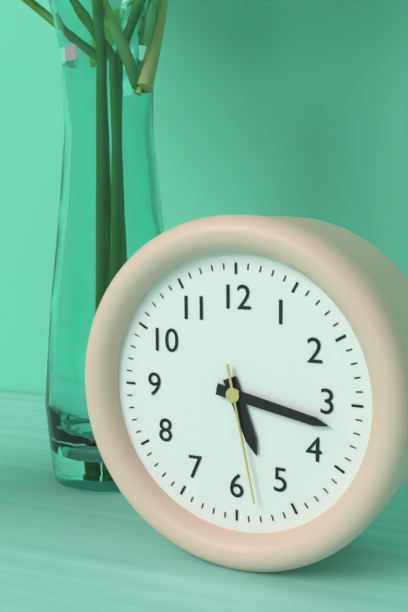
5:17:28
